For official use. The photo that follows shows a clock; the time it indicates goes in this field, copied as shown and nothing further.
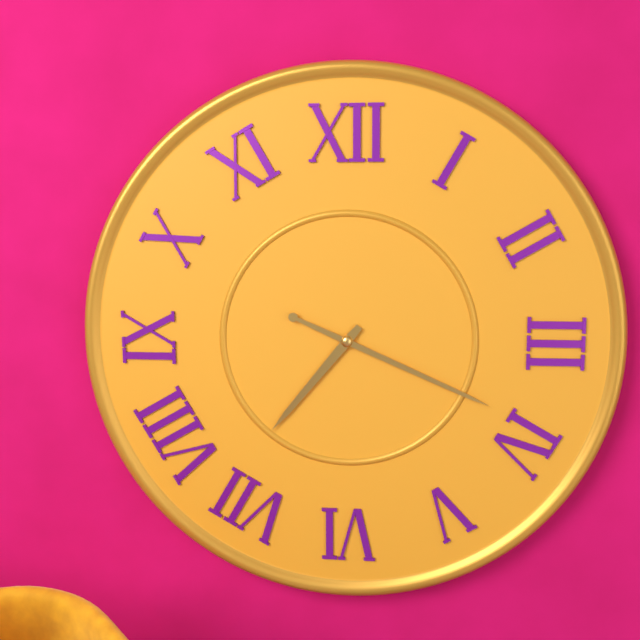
7:19
